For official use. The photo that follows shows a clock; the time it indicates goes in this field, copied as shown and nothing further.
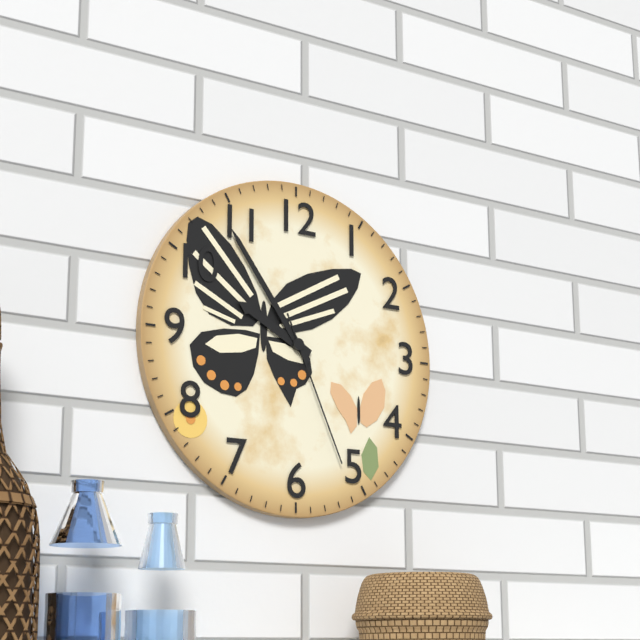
9:54:26
